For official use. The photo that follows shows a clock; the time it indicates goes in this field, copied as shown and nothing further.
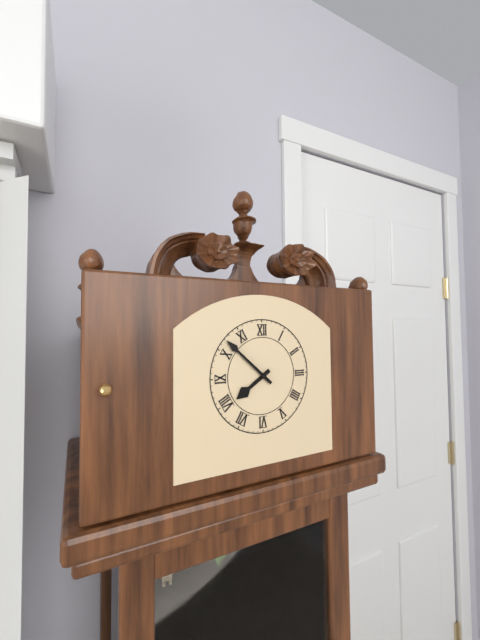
7:52
